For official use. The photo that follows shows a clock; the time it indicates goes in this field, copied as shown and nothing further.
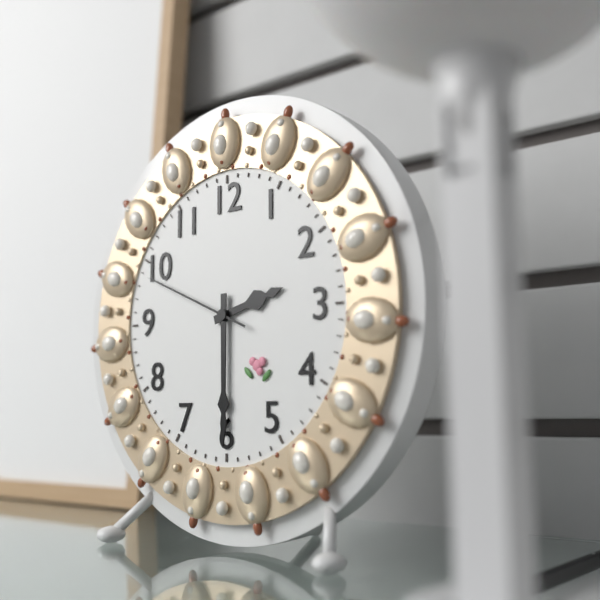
2:30:49
